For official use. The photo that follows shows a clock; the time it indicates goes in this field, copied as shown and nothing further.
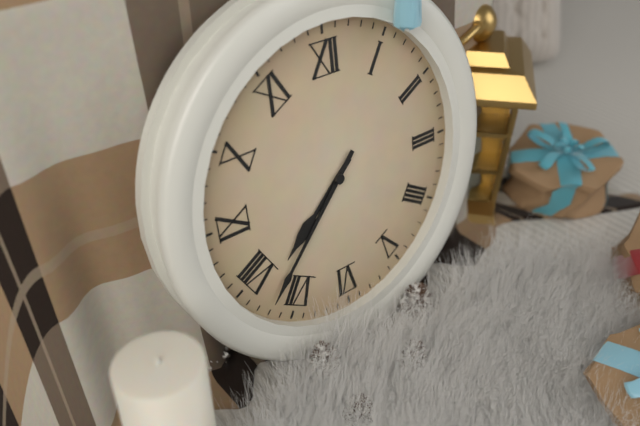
7:37
